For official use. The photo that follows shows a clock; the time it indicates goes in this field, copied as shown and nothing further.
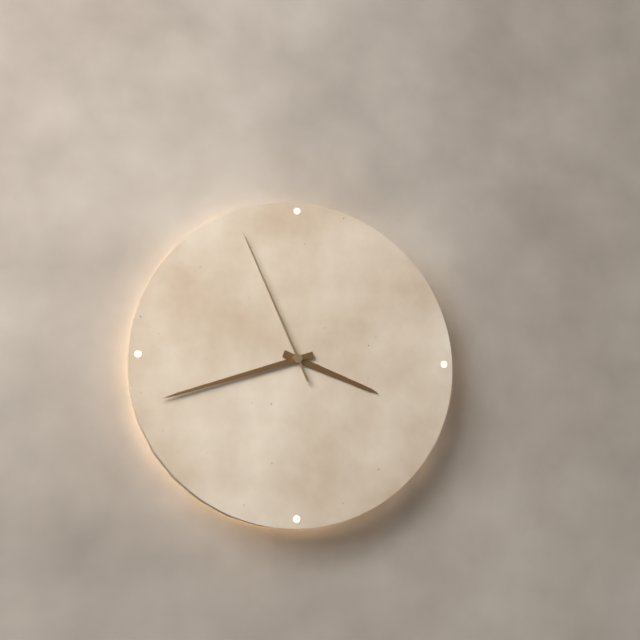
3:42:56
